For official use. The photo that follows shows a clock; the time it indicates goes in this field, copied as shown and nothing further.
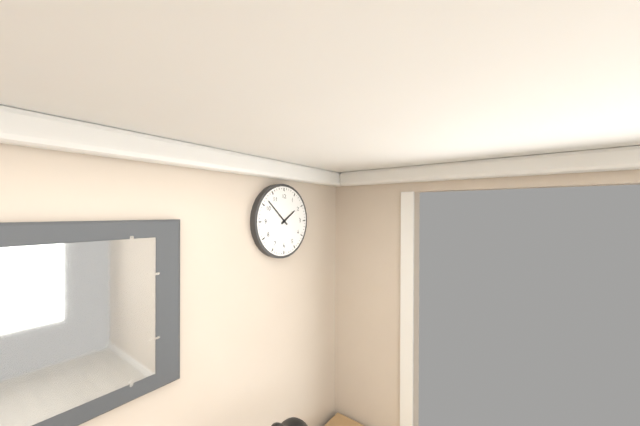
1:52
